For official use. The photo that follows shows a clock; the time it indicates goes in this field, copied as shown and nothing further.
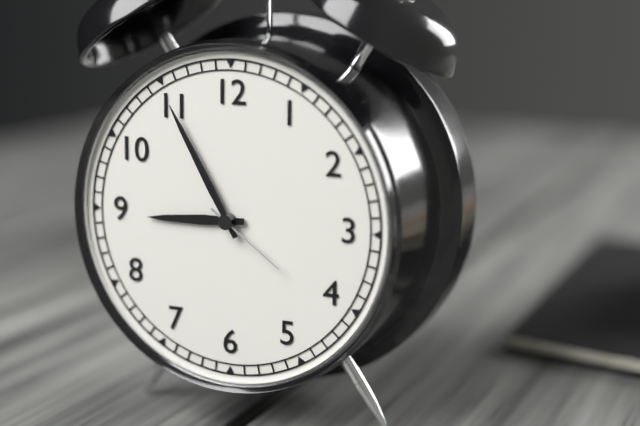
8:55:21
